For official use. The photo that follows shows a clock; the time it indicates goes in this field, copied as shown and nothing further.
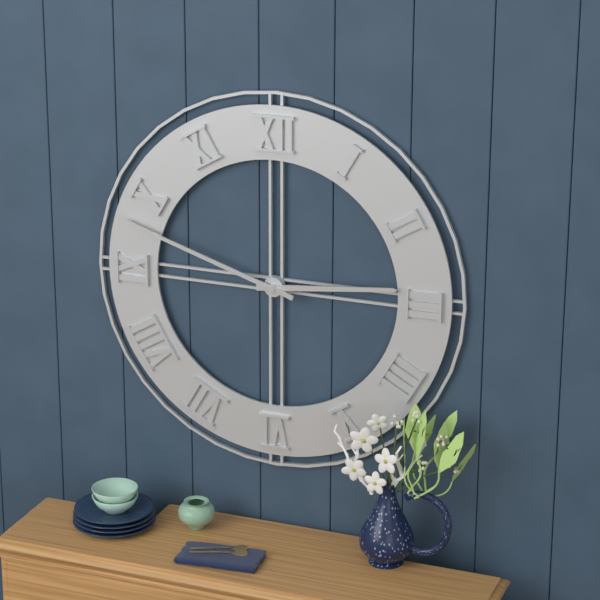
2:48
